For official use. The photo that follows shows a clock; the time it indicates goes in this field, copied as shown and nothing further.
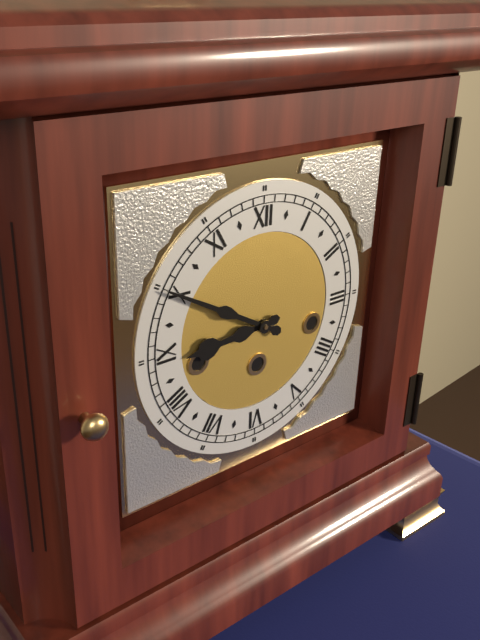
8:50
